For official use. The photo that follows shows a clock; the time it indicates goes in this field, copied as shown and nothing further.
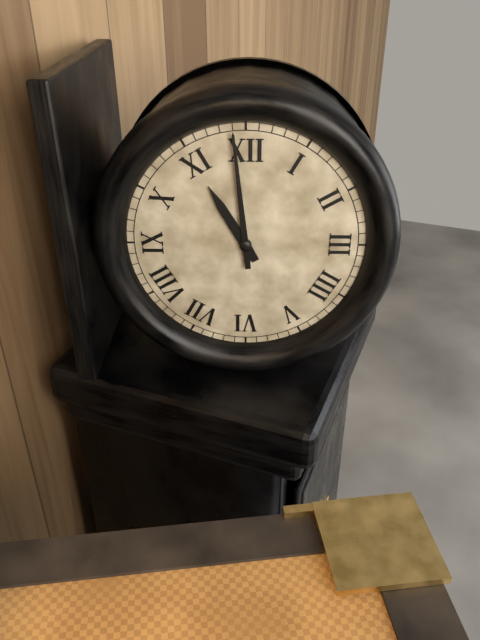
10:59
